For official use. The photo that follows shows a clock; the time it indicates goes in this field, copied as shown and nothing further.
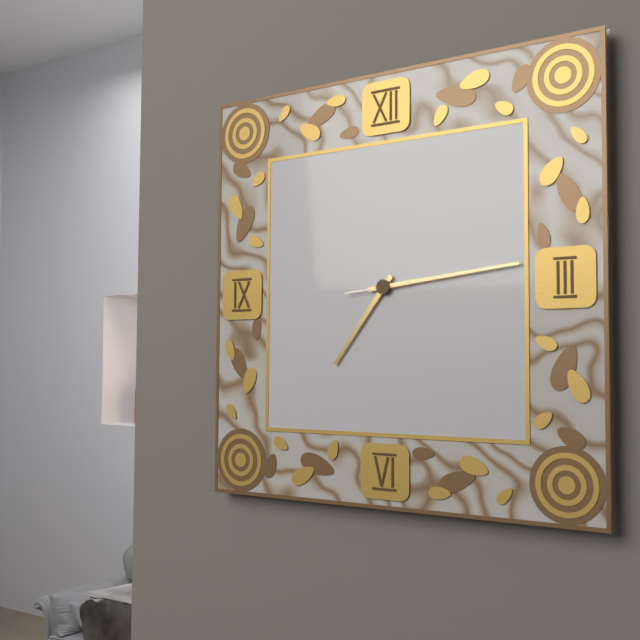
7:14:14
